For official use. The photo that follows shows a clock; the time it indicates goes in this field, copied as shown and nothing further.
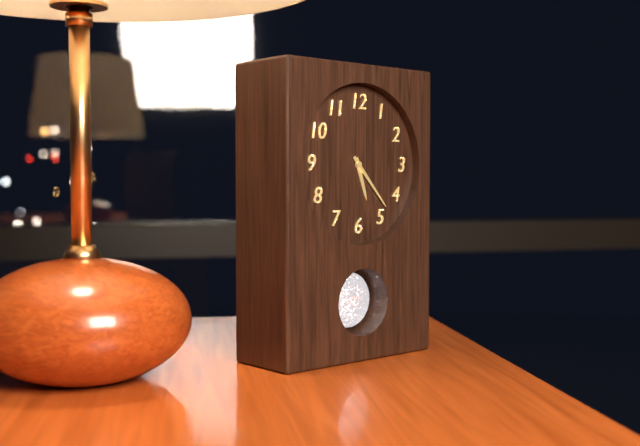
5:23
